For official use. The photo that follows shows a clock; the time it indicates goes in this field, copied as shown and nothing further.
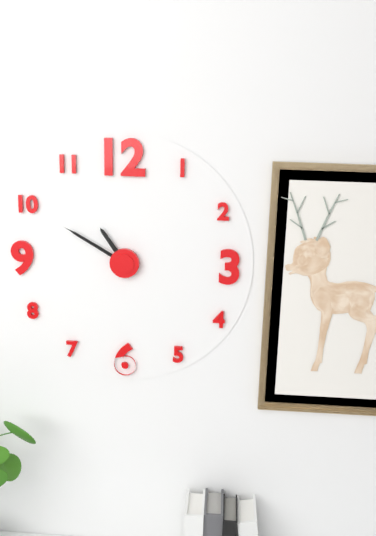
10:50:50
